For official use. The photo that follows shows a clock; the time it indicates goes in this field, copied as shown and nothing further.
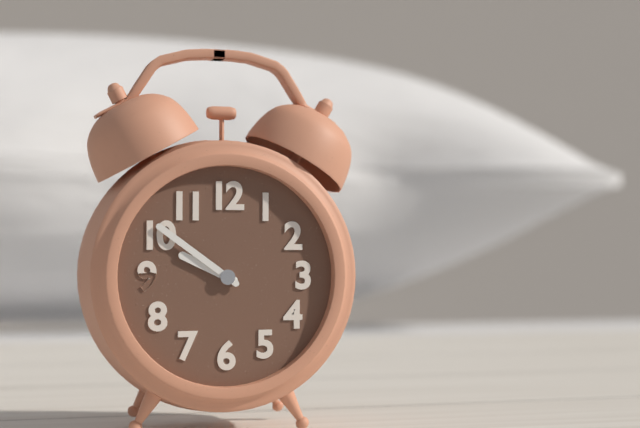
9:51
